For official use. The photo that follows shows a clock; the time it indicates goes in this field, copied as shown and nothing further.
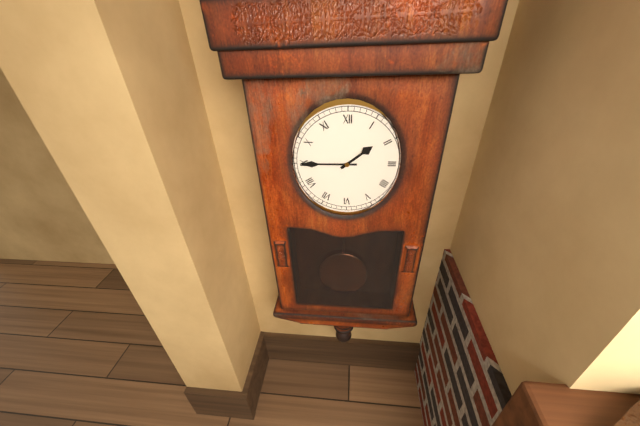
1:45
